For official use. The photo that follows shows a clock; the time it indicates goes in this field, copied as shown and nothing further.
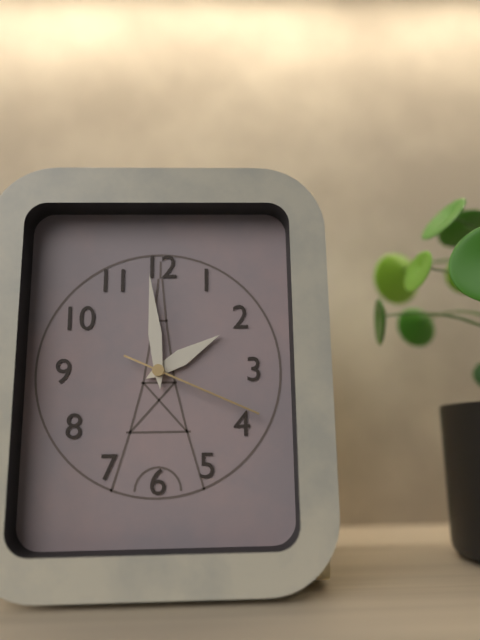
1:59:19
